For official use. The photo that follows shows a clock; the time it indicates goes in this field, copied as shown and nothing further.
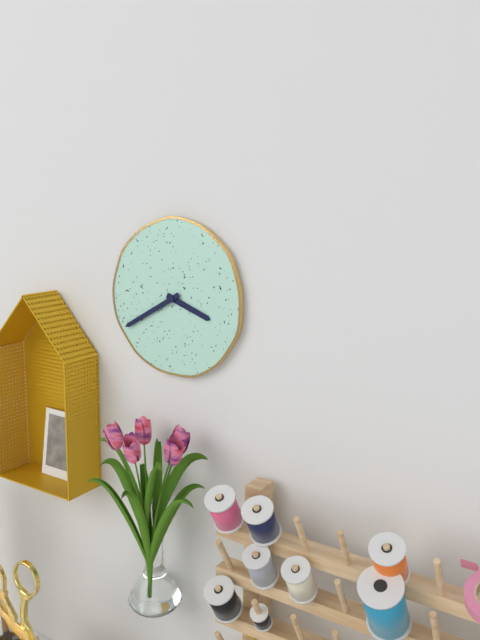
3:40
